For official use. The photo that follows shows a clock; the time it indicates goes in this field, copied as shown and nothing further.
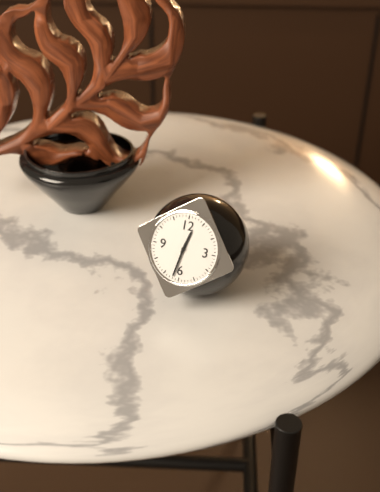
12:32
